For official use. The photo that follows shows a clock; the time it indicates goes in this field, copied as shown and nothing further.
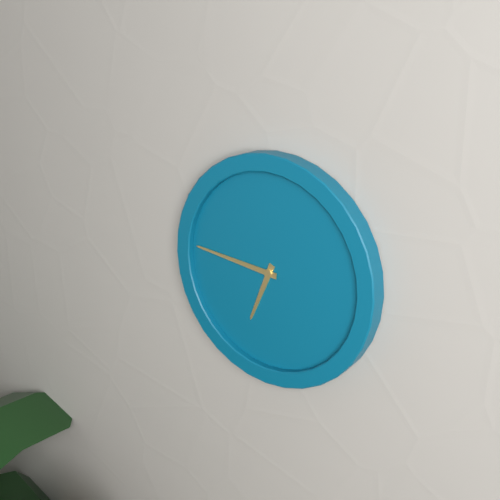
6:46
